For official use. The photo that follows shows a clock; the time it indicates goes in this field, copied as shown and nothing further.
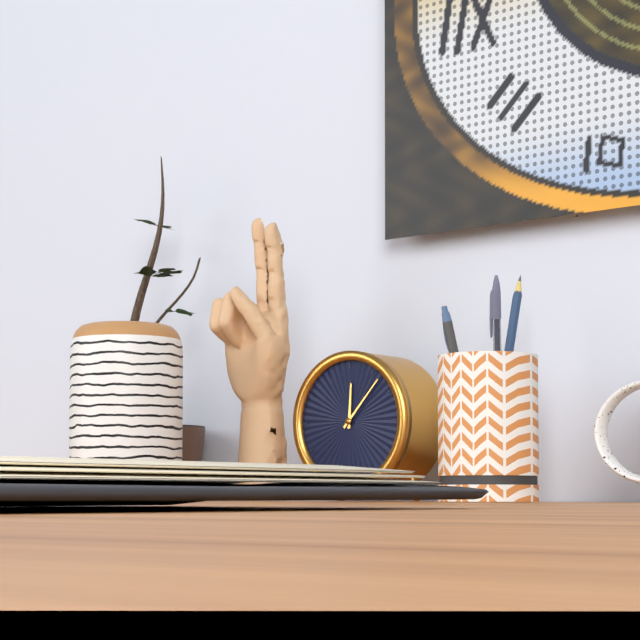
12:07
